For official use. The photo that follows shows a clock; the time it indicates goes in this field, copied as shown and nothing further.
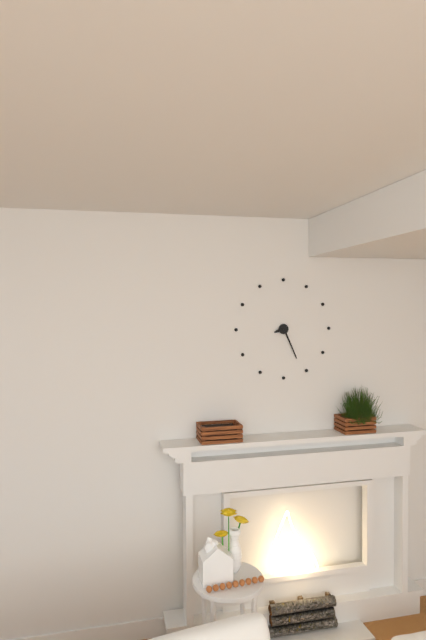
8:26
